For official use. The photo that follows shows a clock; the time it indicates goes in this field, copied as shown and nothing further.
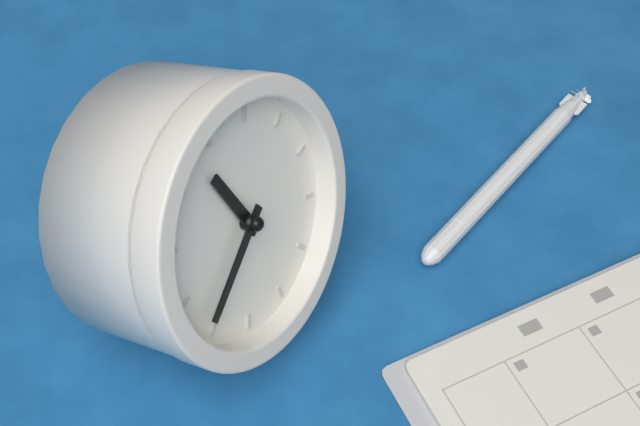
10:36
